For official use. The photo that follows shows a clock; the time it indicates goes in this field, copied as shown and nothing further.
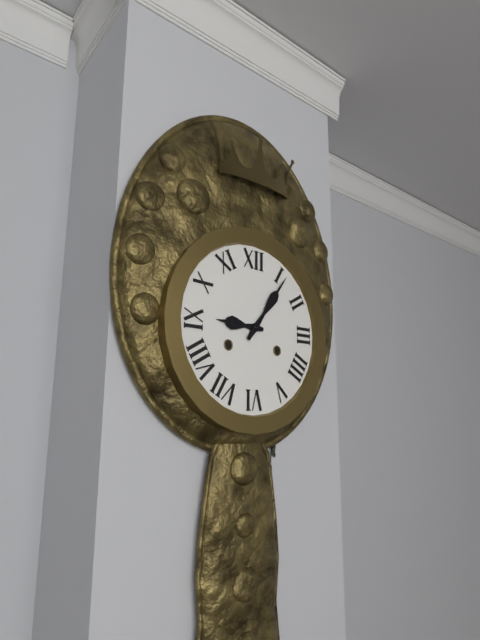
9:06
